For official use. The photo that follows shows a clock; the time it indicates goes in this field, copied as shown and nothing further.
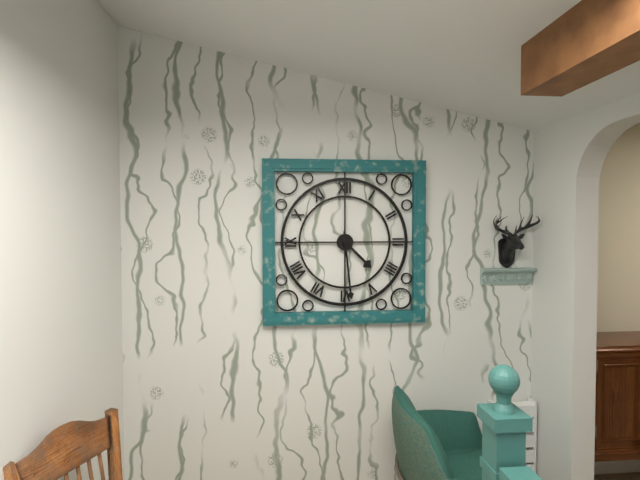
4:29
